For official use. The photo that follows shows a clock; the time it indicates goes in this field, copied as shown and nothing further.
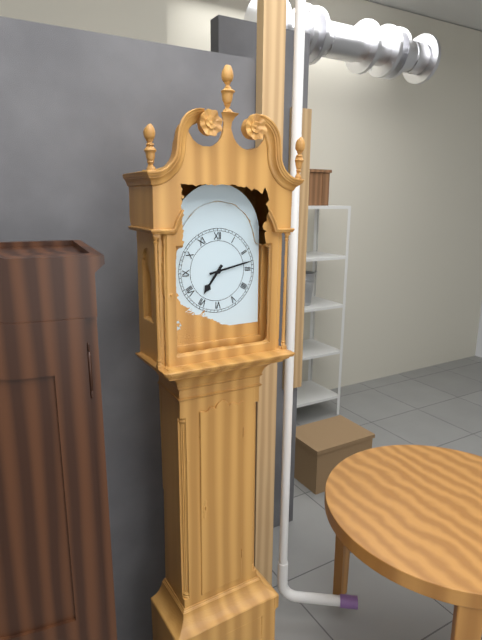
7:13
